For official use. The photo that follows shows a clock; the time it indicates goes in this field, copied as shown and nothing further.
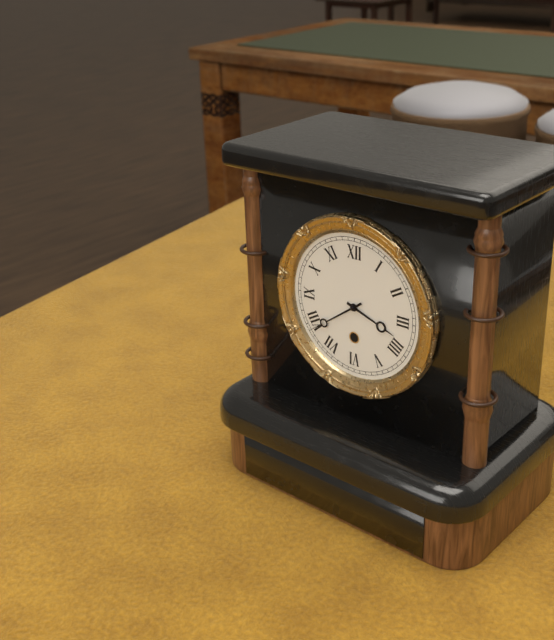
3:39
